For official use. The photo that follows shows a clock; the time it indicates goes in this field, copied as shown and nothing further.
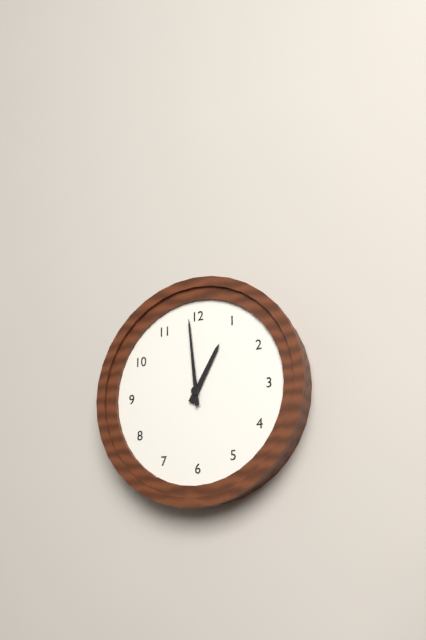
12:59
